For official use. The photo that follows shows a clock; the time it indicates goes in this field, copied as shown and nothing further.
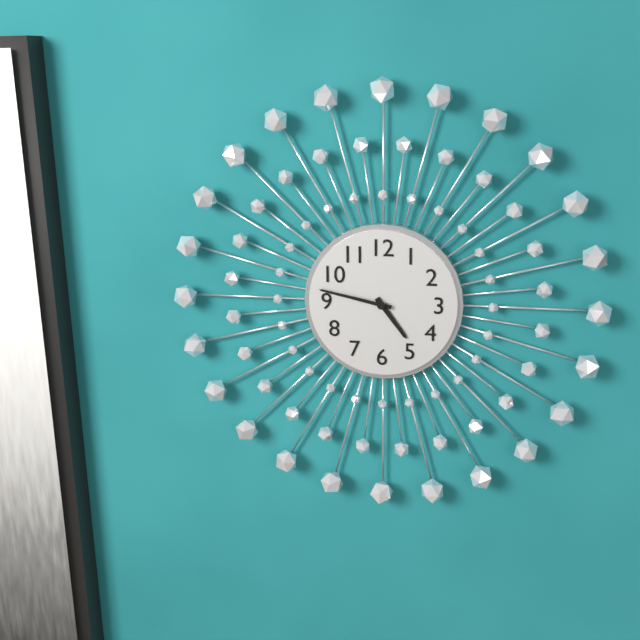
4:47
